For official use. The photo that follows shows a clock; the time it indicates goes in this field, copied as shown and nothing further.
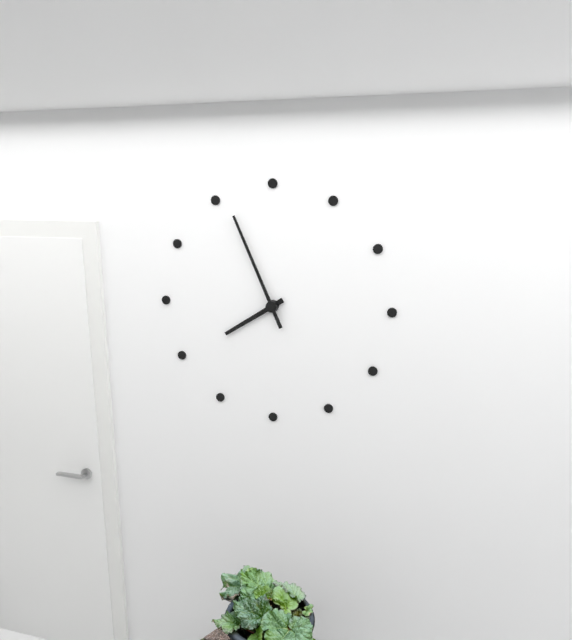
7:56
